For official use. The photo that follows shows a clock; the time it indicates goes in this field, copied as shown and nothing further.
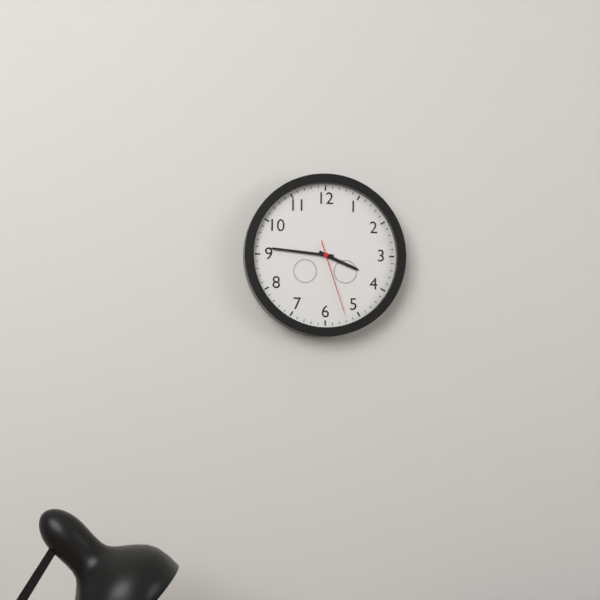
3:46:27
